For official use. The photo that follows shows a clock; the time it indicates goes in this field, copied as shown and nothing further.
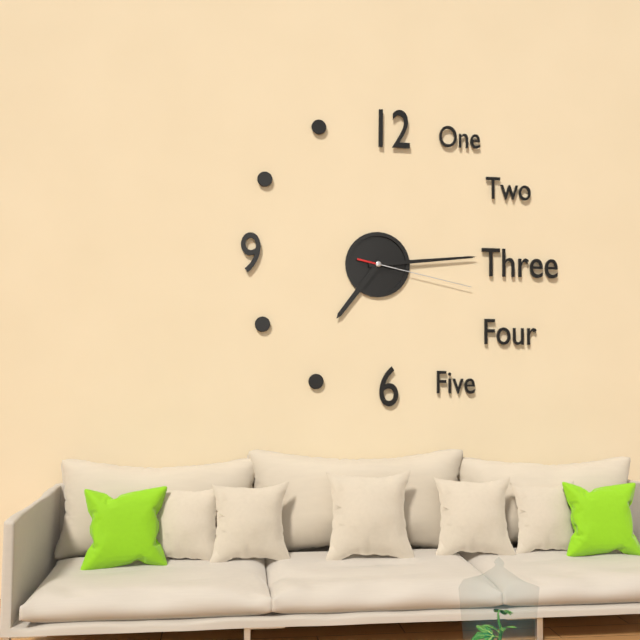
7:14:17
